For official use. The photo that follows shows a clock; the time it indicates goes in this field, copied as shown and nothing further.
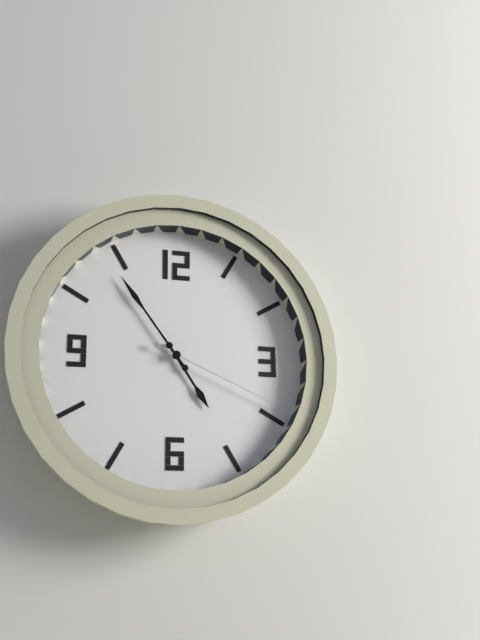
4:54:19
